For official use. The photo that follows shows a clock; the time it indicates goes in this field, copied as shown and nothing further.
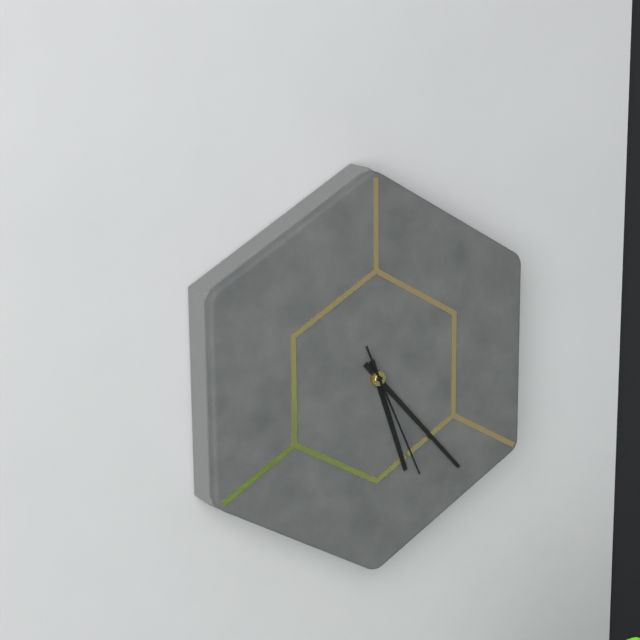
5:23:26
